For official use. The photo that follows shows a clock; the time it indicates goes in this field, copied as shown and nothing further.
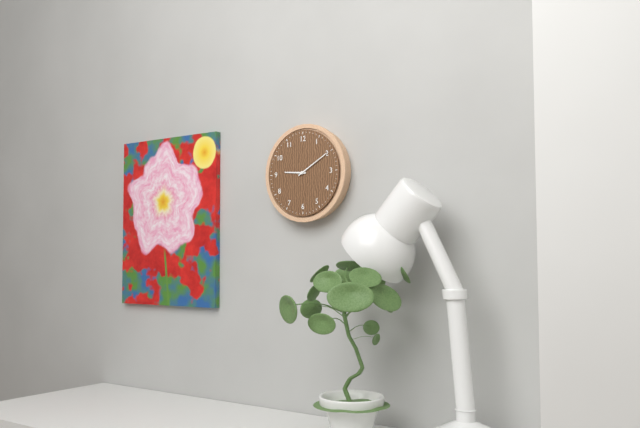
9:10
